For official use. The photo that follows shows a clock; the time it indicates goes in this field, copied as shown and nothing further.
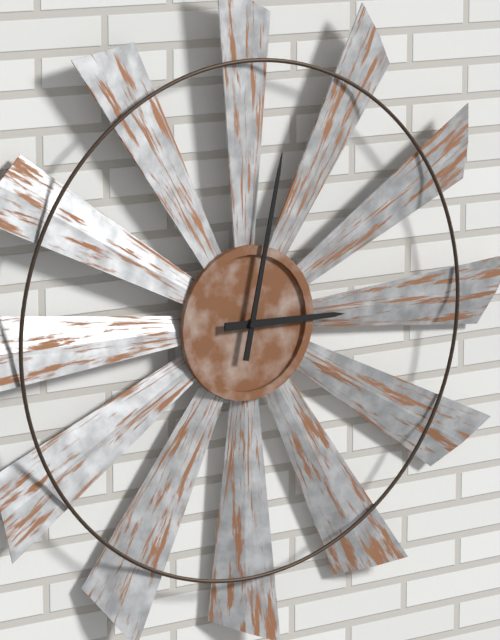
3:02
